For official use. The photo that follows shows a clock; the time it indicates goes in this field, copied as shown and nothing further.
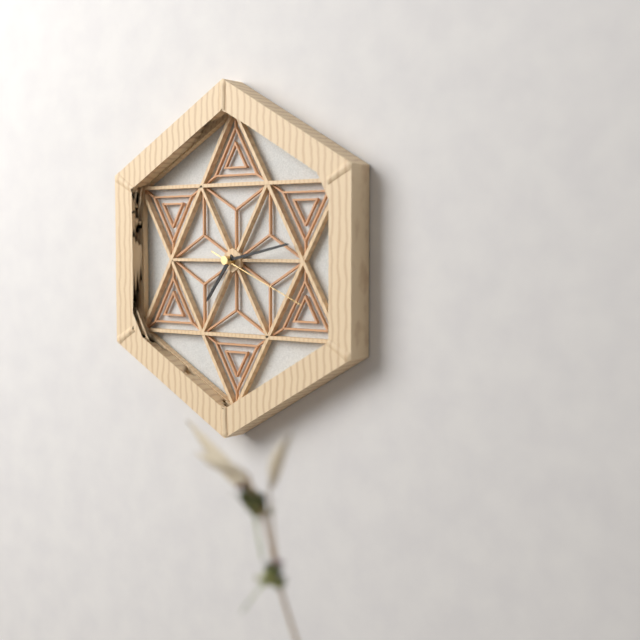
7:13:19
